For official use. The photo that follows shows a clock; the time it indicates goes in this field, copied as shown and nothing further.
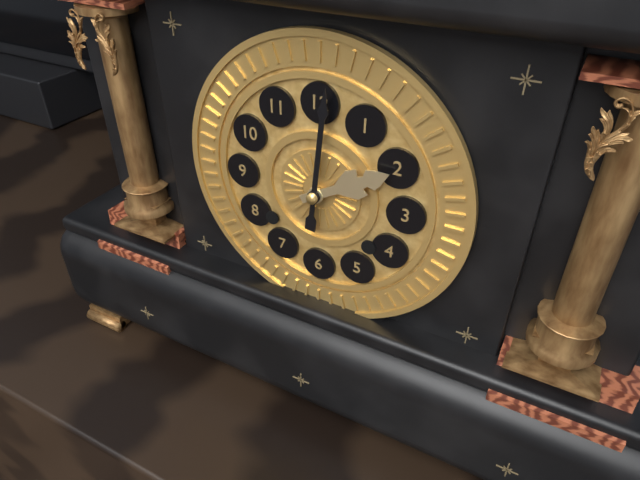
2:01
